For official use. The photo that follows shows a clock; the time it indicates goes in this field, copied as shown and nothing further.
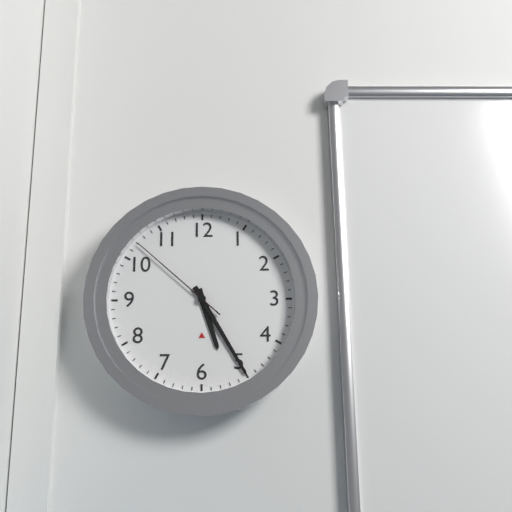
5:25:52
